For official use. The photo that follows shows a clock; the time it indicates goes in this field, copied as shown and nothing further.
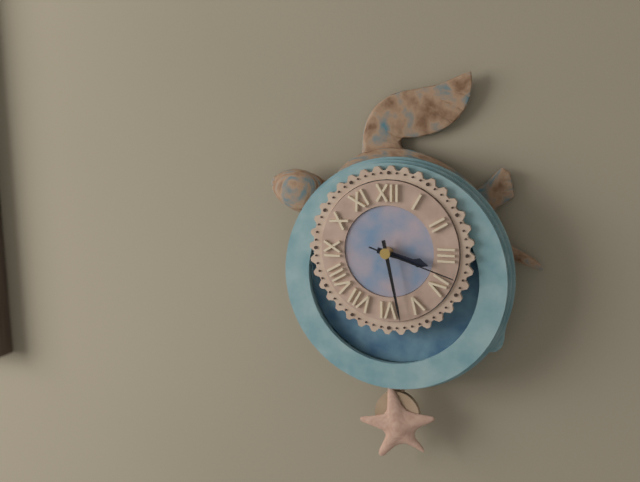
3:28:18
